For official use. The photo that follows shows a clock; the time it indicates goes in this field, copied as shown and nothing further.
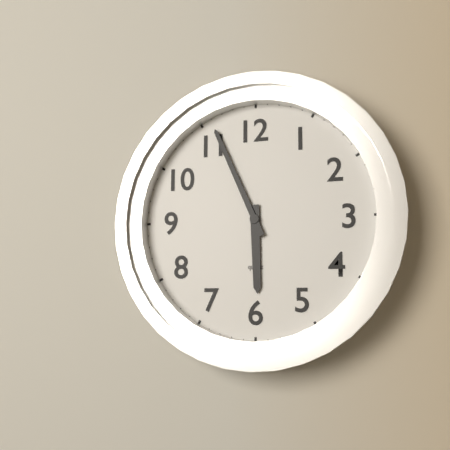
5:56
